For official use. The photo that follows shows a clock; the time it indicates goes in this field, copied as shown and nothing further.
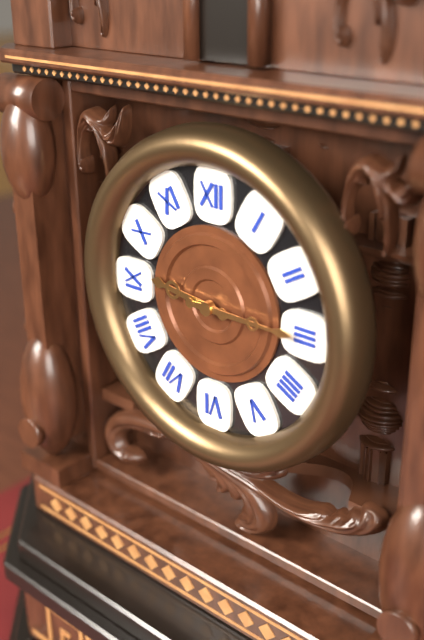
9:15
